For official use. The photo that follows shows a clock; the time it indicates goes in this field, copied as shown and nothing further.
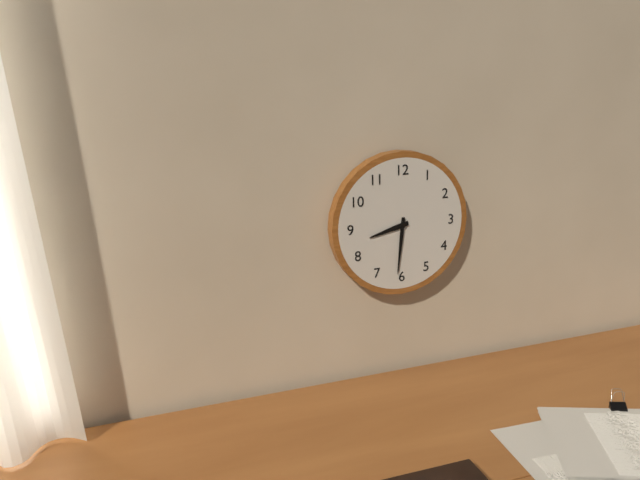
8:31
